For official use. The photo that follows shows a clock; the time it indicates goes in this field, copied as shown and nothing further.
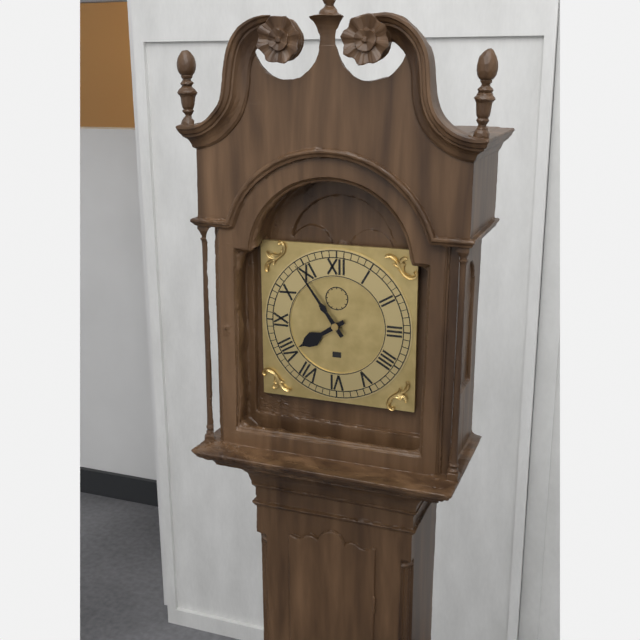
7:54
